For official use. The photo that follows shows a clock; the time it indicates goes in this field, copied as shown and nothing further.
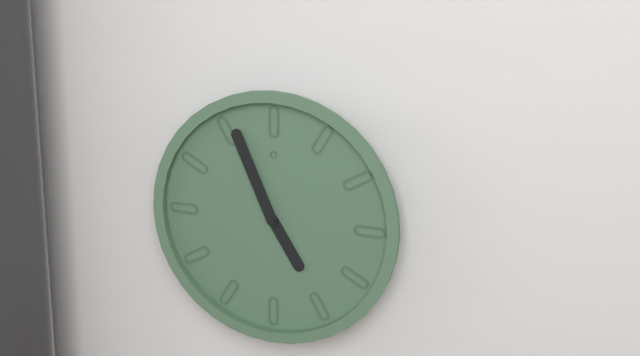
4:56
